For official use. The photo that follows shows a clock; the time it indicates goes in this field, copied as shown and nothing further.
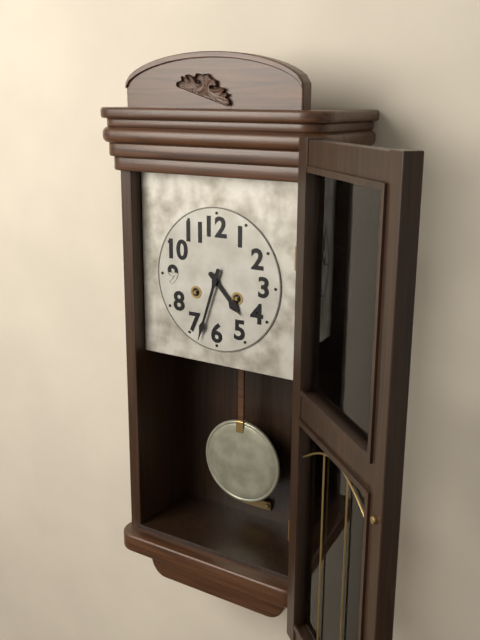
4:33
